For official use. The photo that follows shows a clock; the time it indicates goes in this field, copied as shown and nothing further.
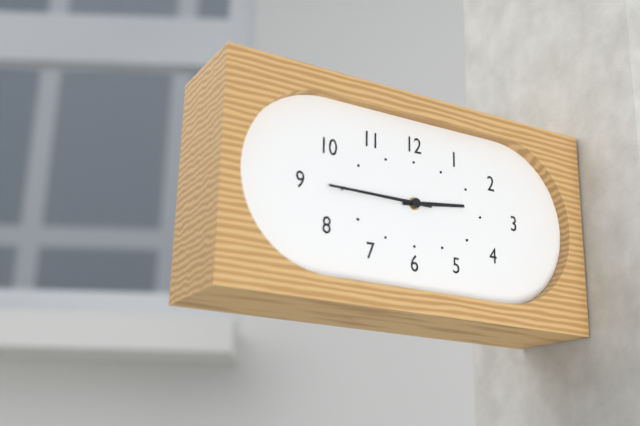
2:45
